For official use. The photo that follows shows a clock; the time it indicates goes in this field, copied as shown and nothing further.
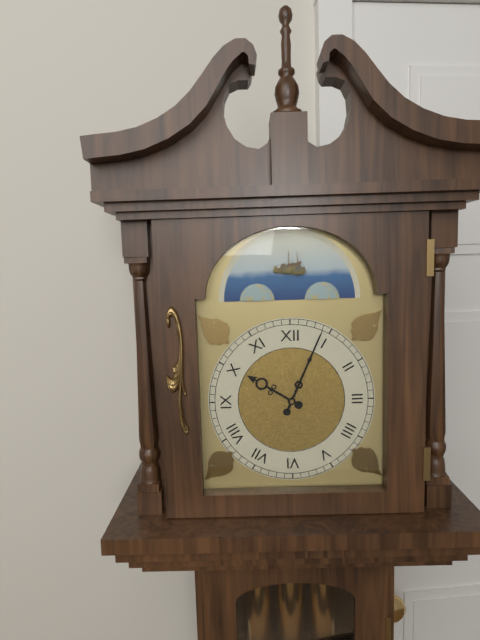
10:04
